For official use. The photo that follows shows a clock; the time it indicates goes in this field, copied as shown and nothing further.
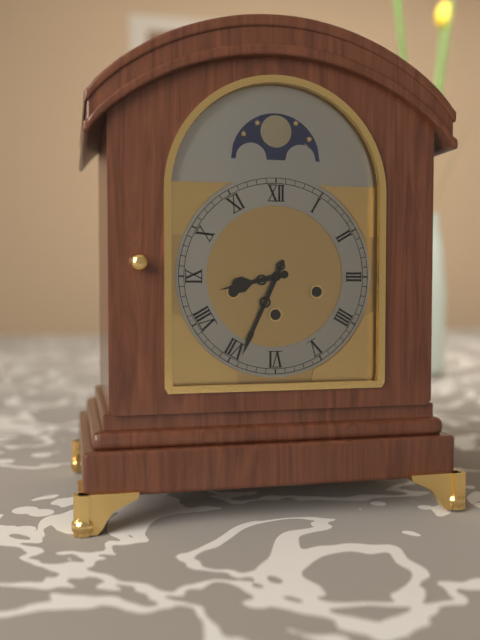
8:34
